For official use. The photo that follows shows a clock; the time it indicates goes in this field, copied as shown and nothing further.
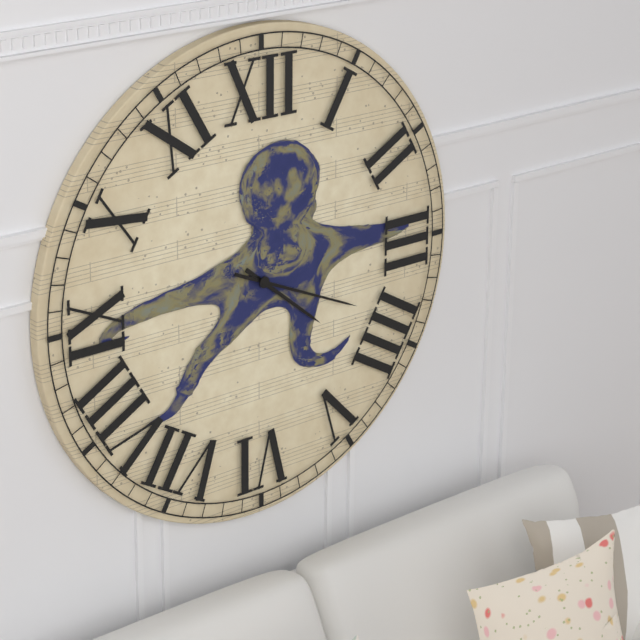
4:19
